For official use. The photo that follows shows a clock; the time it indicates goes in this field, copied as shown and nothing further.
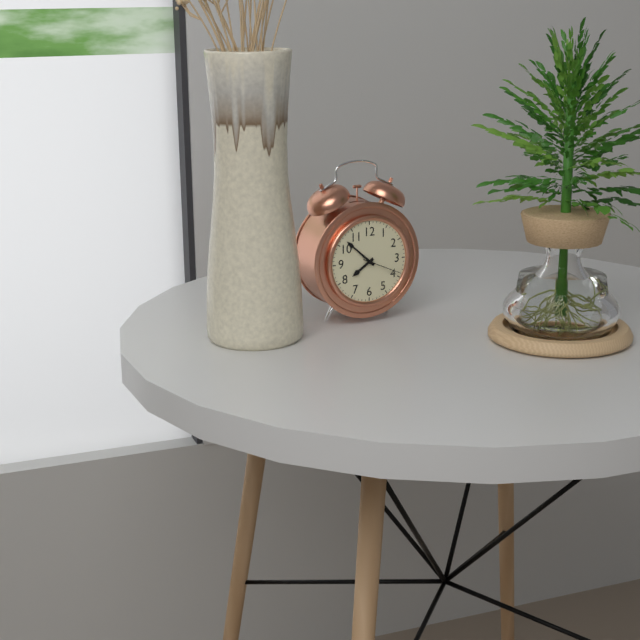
7:52
